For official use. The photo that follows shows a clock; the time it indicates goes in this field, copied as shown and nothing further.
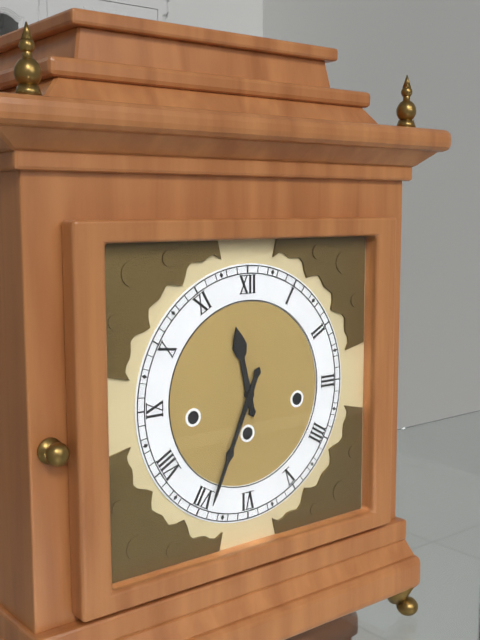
11:34
